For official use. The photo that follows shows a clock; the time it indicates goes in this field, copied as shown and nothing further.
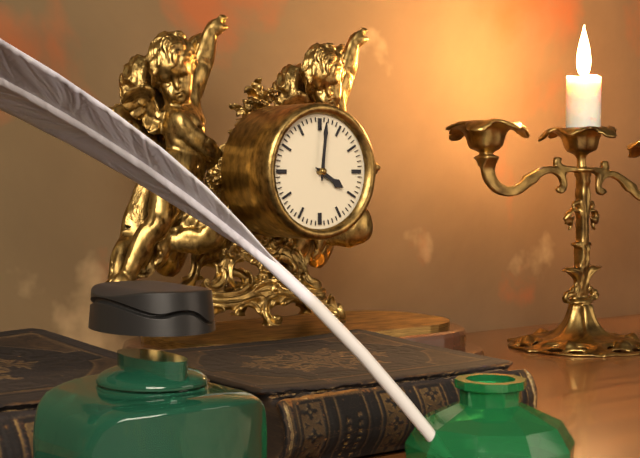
4:01
